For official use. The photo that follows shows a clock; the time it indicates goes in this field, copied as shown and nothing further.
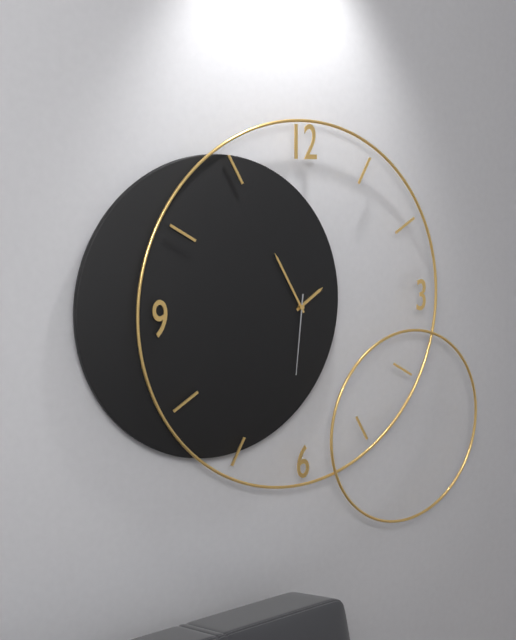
1:55:31
